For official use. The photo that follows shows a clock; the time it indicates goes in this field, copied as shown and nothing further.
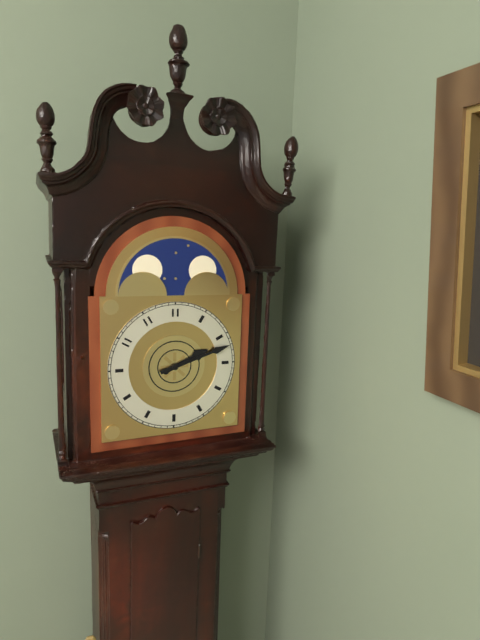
2:12
